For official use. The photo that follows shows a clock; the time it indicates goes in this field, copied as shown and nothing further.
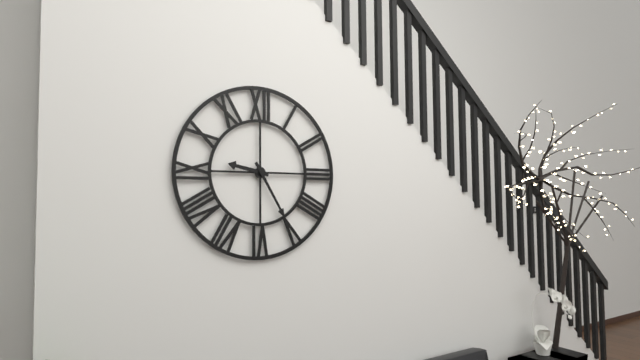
9:25
